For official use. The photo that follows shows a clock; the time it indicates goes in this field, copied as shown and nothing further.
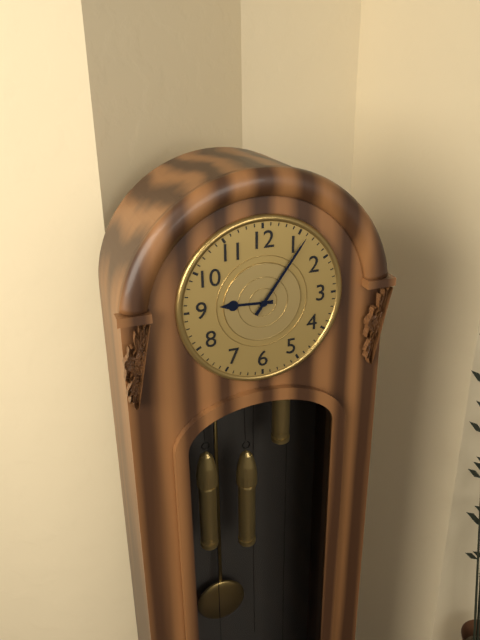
9:06
